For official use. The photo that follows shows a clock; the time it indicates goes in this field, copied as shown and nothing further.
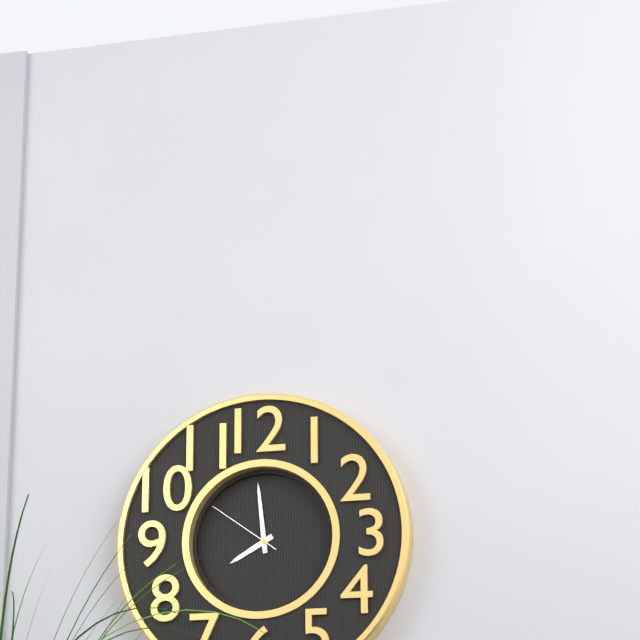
7:59:51
